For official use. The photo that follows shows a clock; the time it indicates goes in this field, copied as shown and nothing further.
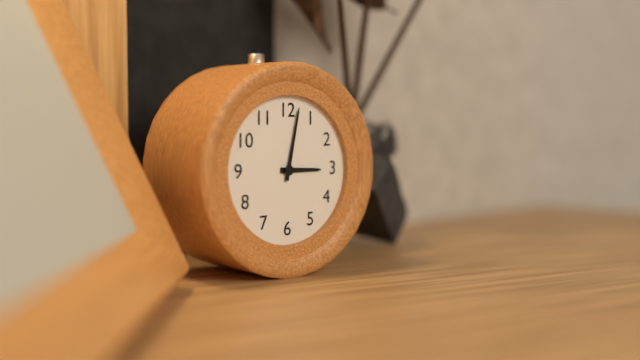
3:02
